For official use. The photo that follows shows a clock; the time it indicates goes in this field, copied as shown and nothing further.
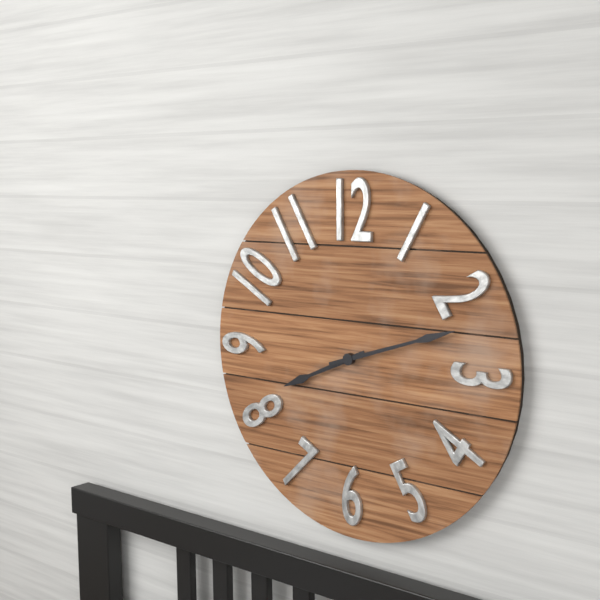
8:12
